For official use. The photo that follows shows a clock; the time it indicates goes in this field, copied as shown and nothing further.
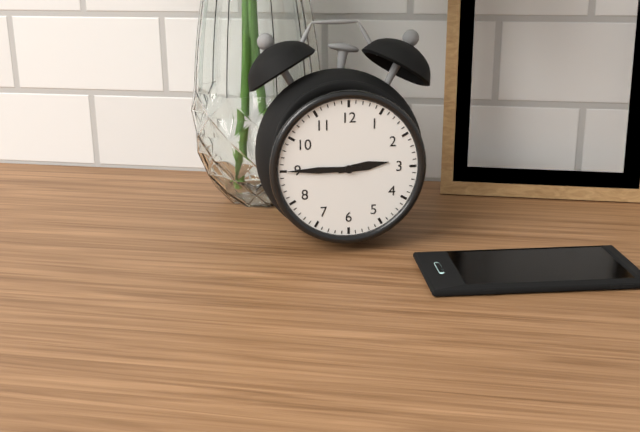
2:45
